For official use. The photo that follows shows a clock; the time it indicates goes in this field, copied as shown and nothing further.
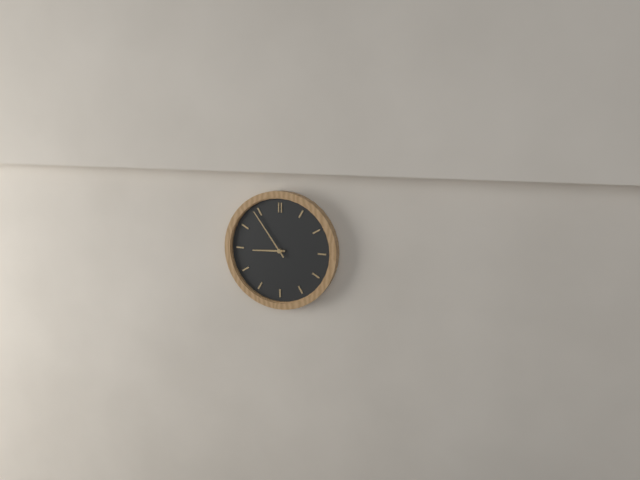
8:54
